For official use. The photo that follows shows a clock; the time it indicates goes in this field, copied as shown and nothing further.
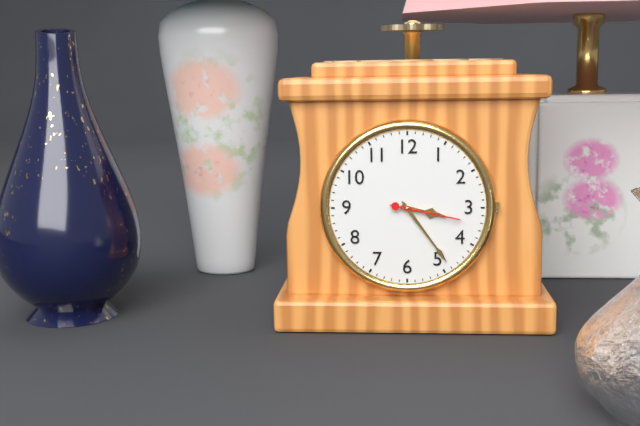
3:24:17
